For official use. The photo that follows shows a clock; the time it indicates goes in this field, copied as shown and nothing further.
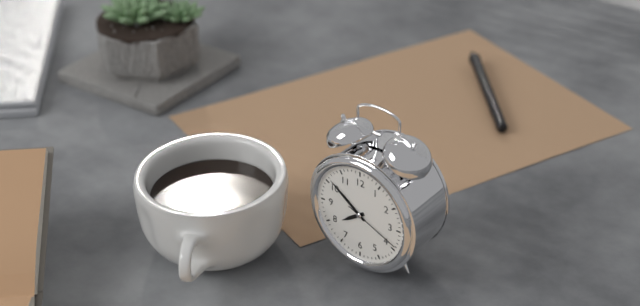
7:51:19
